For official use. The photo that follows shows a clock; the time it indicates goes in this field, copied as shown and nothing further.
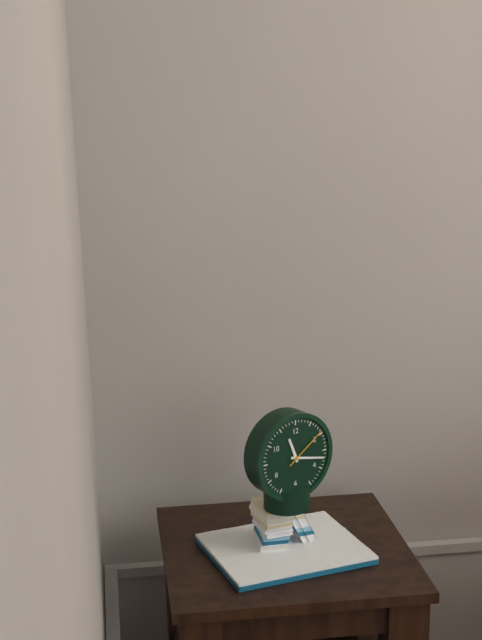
11:17
